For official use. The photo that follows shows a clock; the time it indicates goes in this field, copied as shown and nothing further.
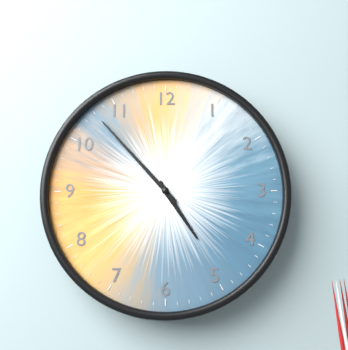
4:53
